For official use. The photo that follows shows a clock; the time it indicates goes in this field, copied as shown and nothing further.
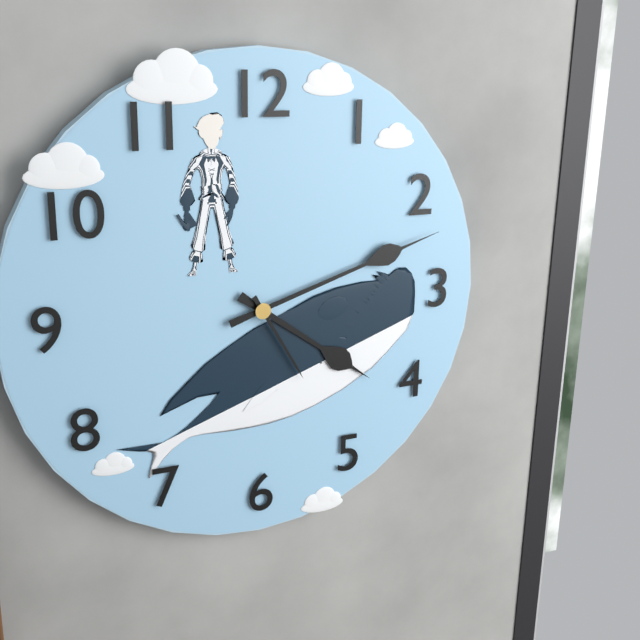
4:12:25
